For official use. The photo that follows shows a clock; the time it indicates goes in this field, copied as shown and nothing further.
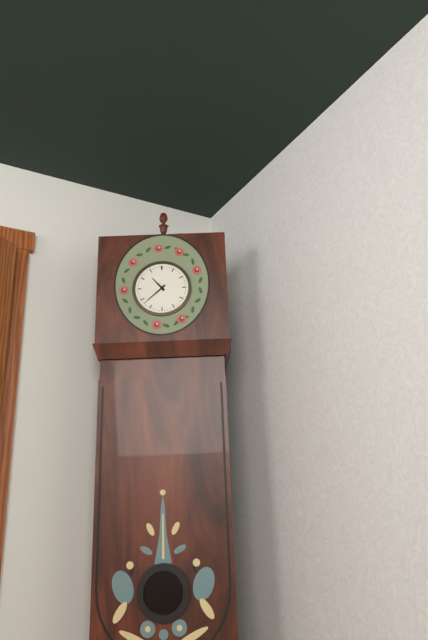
10:38
